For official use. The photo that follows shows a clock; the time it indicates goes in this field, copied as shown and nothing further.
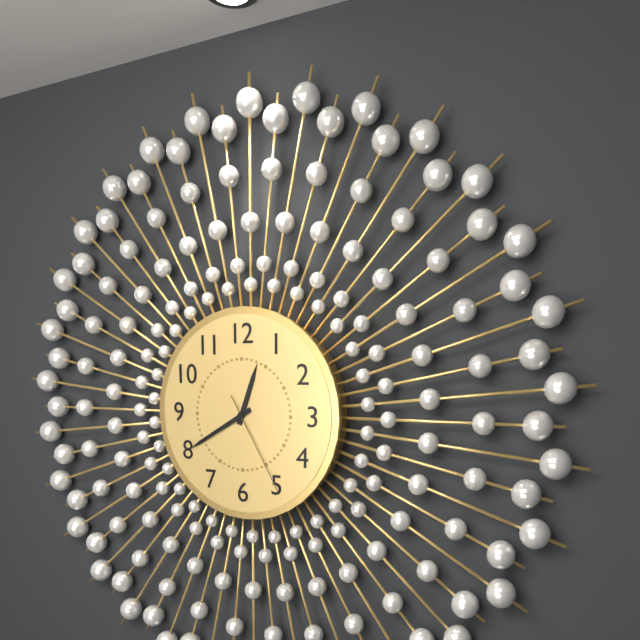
12:40:25
